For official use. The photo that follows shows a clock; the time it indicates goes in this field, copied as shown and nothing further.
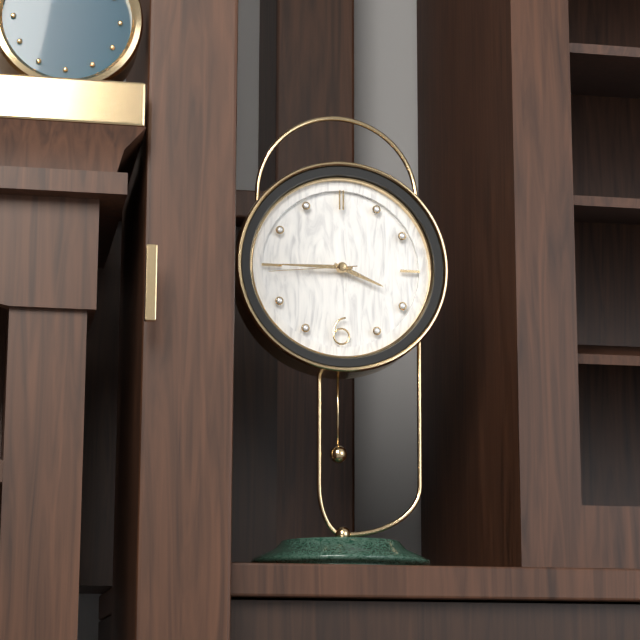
3:45:44
